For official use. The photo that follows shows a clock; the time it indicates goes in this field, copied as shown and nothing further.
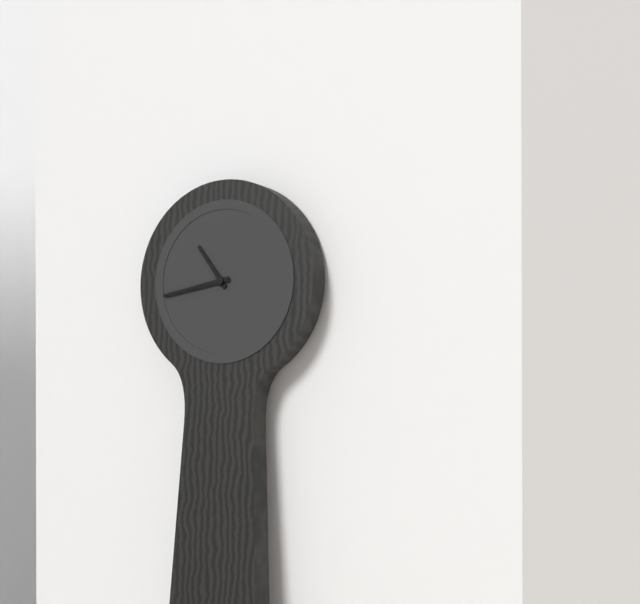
10:43
